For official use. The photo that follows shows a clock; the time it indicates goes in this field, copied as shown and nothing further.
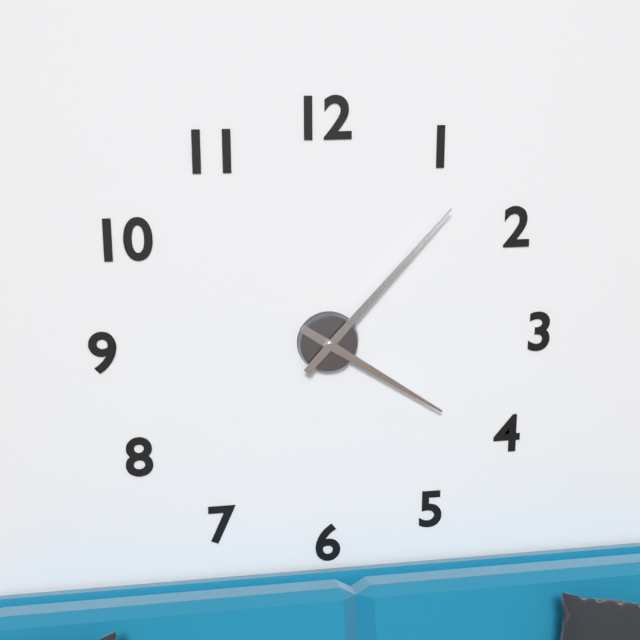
4:07
